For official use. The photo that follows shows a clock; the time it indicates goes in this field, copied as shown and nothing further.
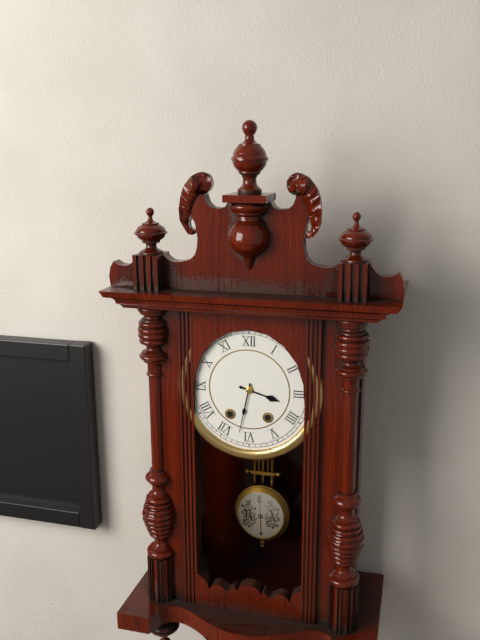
3:32
